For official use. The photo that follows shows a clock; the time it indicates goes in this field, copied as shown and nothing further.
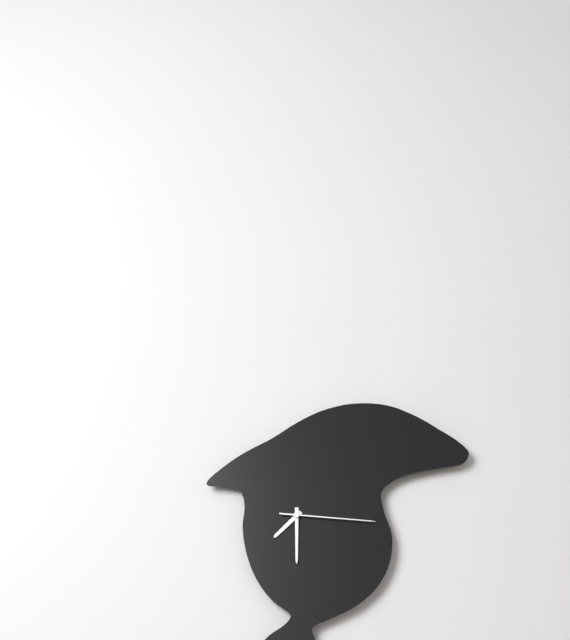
7:30:16
